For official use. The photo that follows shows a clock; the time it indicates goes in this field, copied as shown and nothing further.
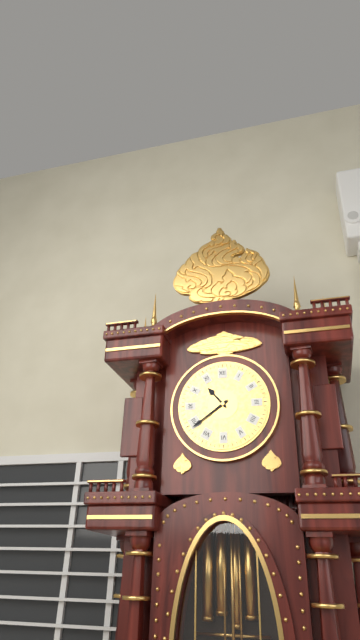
10:39
